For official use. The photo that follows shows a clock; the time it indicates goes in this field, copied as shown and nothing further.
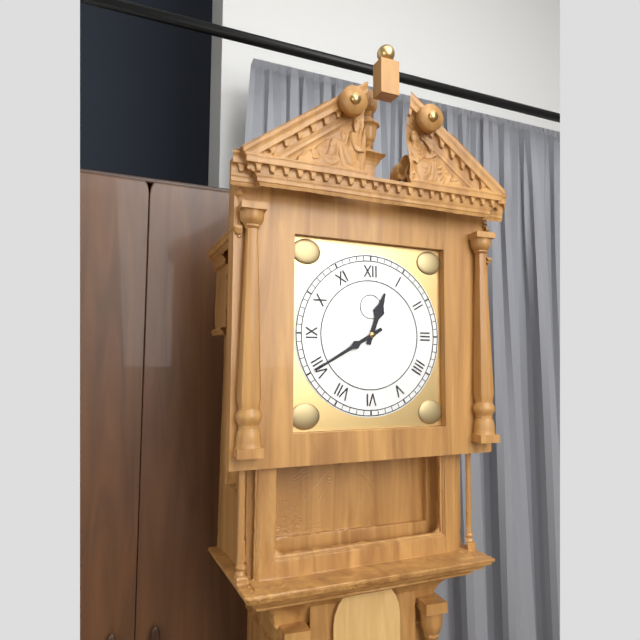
12:40
